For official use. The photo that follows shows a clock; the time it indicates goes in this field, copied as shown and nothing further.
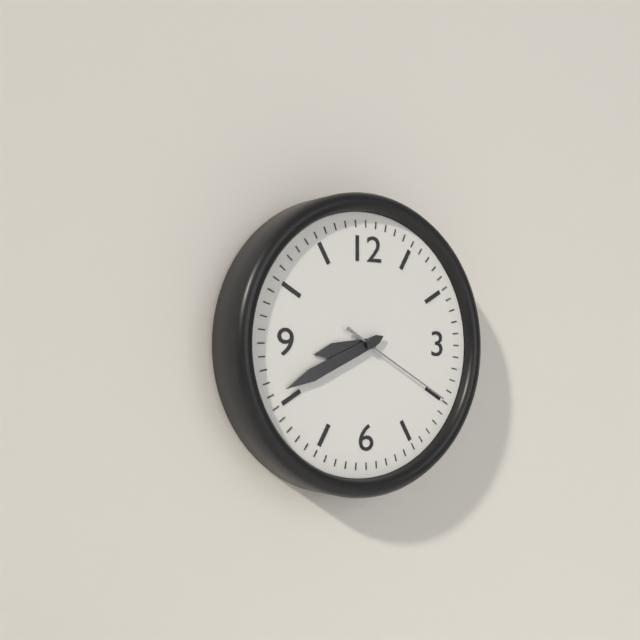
8:41:20
